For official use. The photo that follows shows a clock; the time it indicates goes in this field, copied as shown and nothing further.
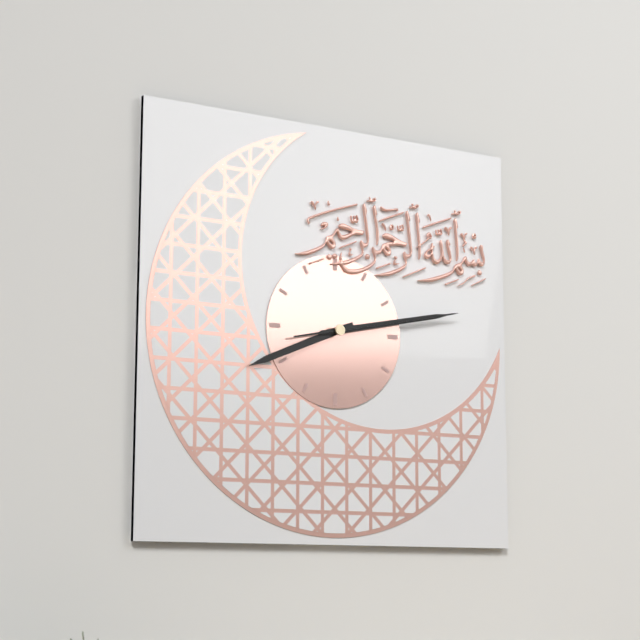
8:13:13
